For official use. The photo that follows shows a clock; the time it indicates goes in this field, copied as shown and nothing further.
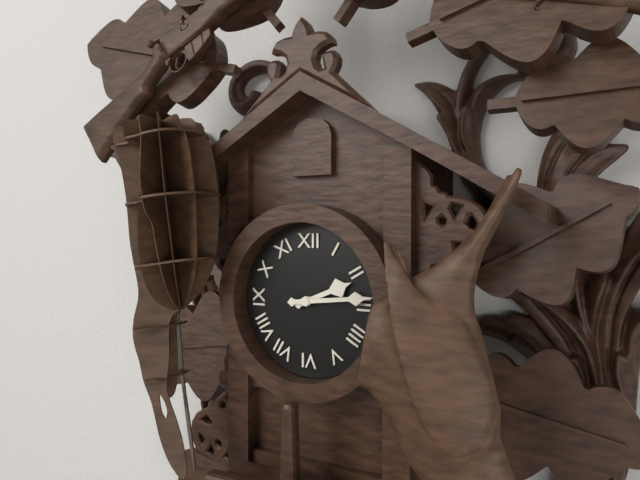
2:14
